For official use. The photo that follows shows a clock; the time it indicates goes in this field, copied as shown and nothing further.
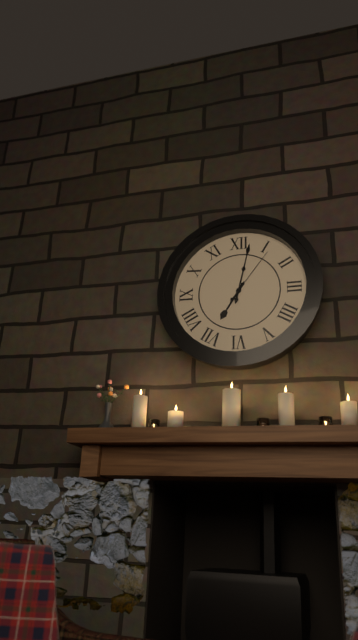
7:02:06
